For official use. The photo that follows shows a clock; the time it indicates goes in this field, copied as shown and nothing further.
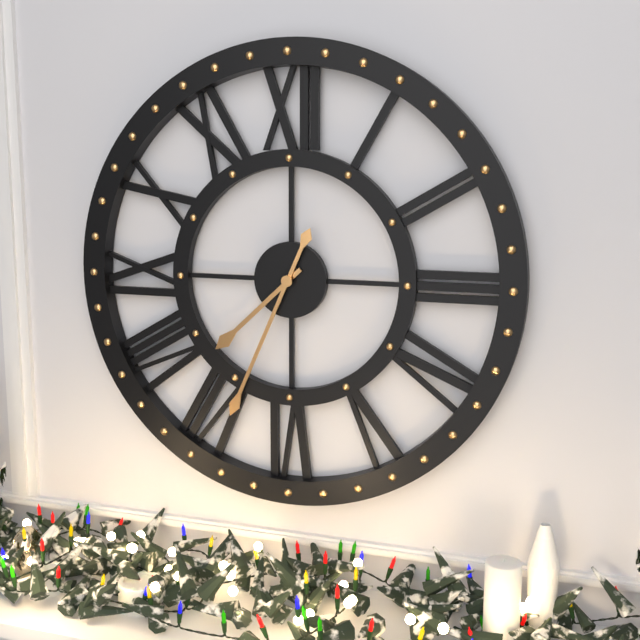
7:34
